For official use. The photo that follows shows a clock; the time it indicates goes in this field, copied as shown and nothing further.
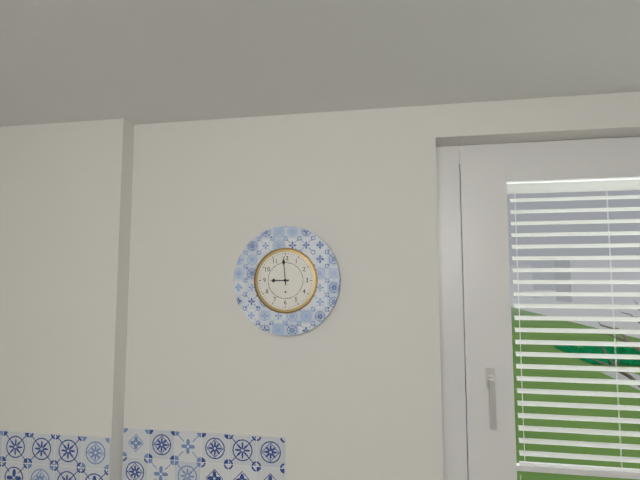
8:59
